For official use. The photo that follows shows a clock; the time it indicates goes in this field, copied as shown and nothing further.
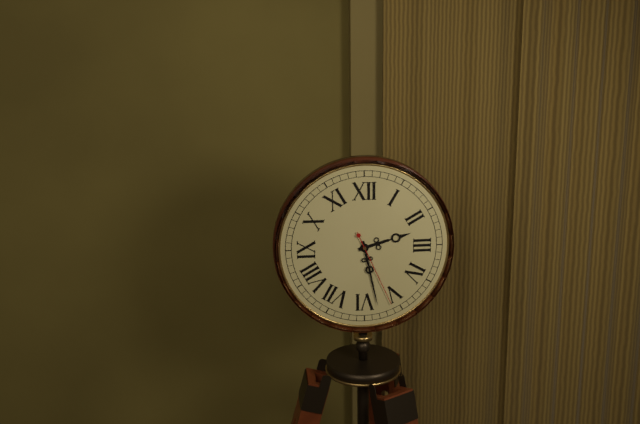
2:28:26
